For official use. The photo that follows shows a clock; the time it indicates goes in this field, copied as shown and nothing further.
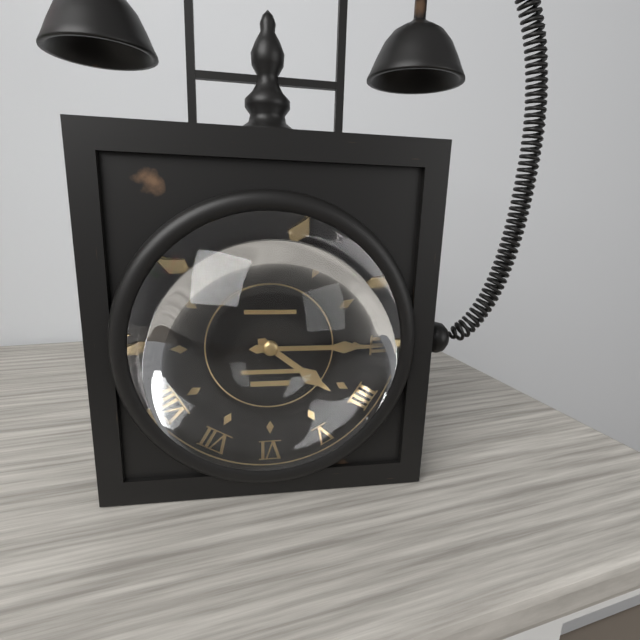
4:15
